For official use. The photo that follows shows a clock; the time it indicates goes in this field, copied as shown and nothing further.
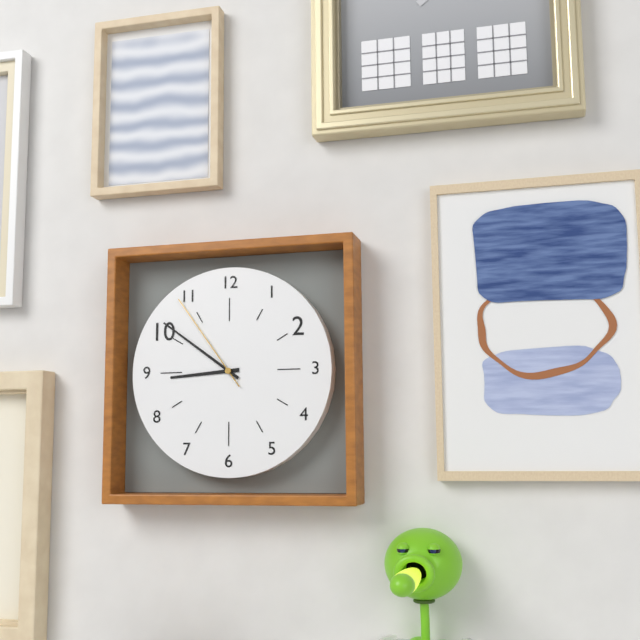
8:51:54
